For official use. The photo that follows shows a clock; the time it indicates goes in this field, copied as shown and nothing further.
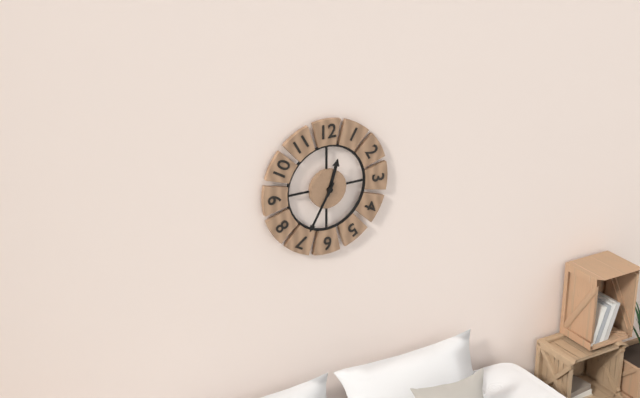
12:35
